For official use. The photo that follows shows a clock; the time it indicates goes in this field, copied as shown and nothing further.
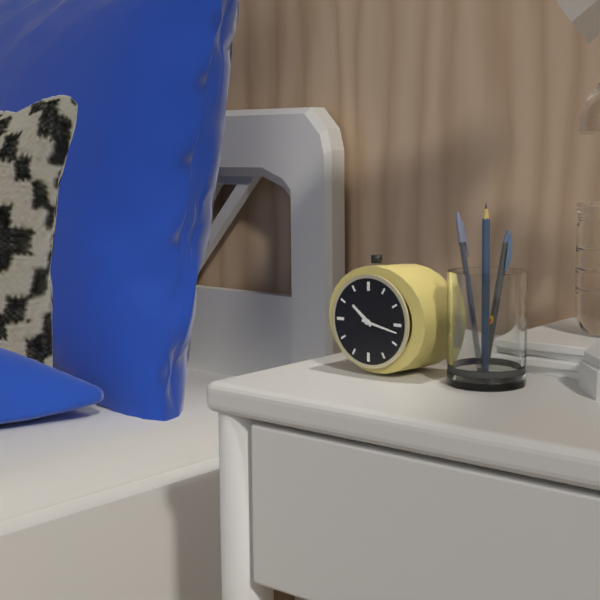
10:17
